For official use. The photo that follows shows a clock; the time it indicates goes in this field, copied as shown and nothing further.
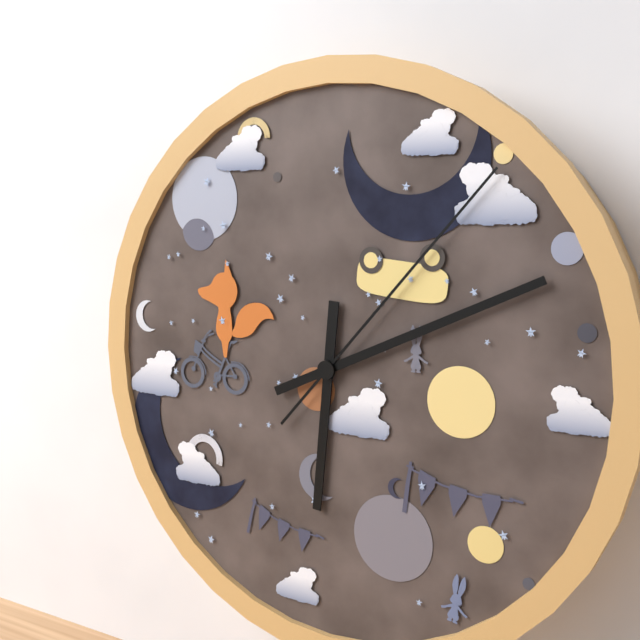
6:11:07
